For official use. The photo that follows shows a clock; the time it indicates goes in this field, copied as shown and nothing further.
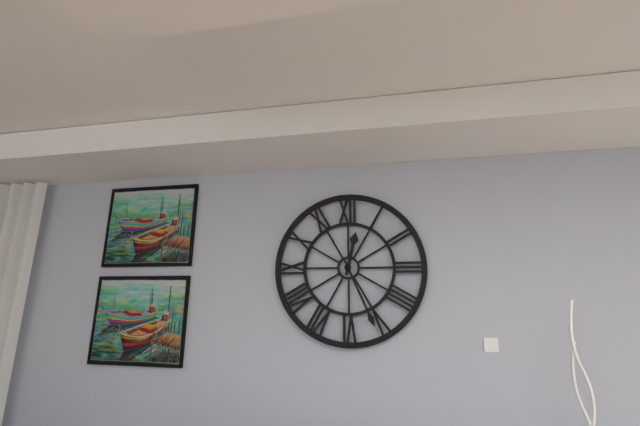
12:26
